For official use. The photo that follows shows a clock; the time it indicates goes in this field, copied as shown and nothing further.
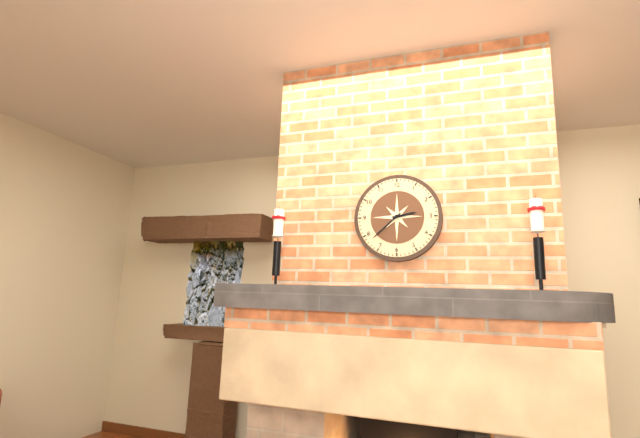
2:38
